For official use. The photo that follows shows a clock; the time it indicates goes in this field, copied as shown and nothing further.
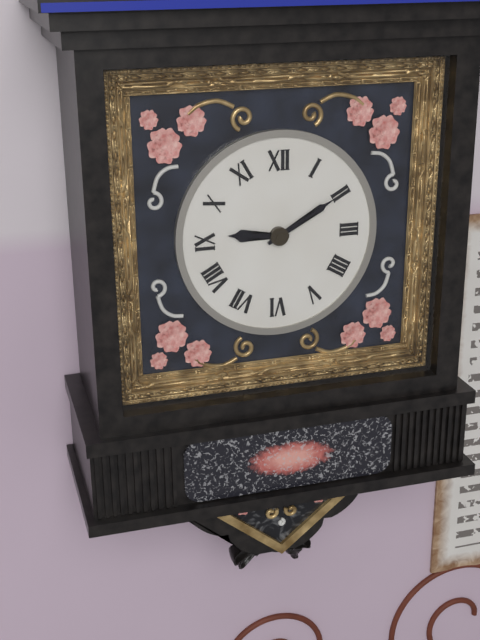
9:10
